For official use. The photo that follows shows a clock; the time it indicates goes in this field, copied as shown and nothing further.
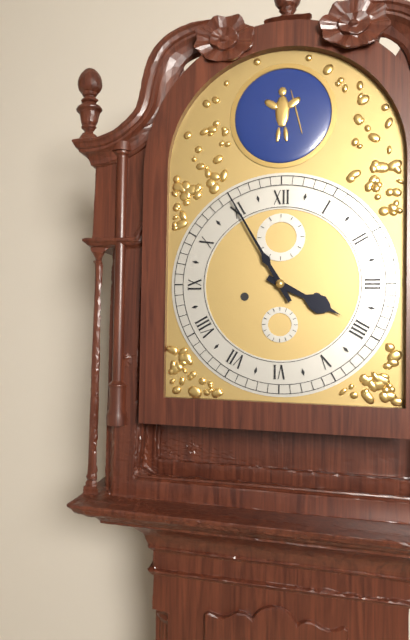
3:55
